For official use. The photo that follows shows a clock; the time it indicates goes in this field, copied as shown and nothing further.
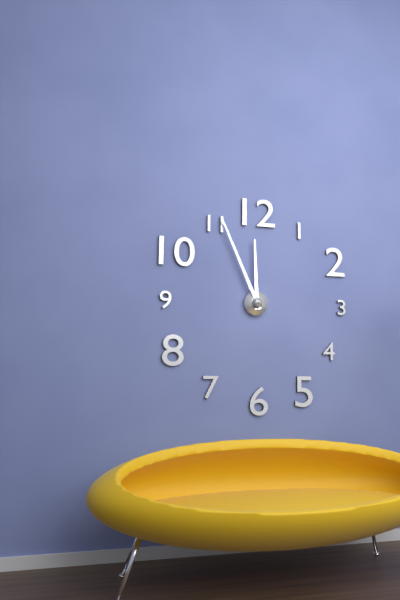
11:56
